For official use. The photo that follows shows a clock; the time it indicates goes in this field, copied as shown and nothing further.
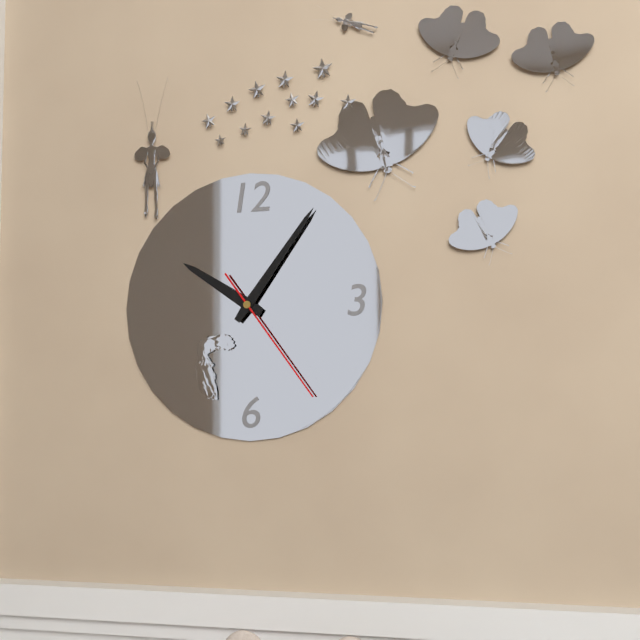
10:06:24
